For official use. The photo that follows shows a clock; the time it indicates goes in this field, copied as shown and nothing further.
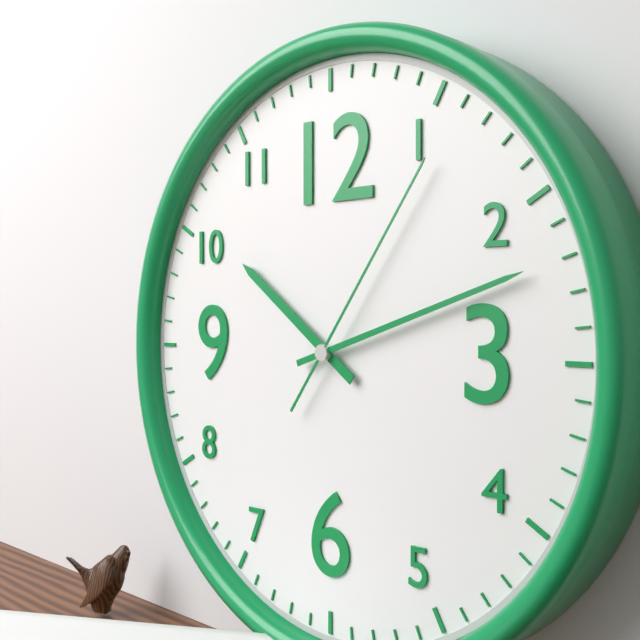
10:12:06
